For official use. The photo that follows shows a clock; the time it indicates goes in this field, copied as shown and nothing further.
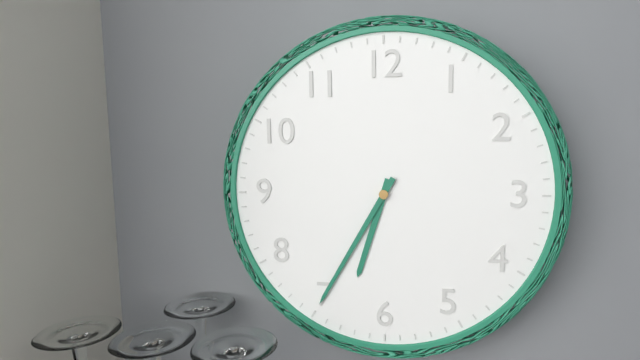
6:35
